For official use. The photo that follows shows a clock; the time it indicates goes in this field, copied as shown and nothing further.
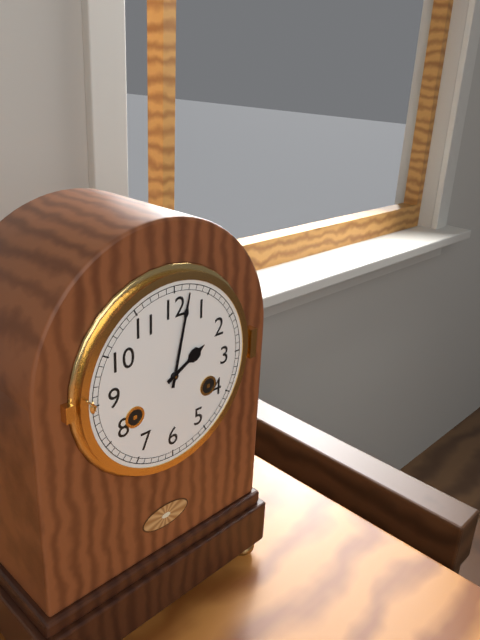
2:02
